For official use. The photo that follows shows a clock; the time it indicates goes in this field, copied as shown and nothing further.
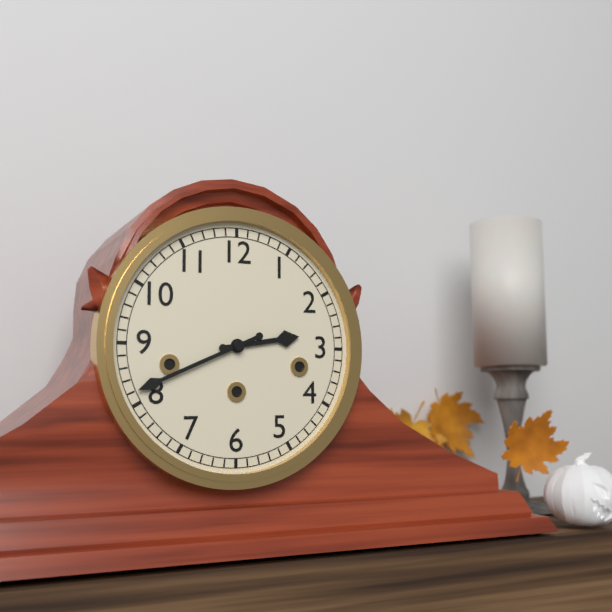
2:41
